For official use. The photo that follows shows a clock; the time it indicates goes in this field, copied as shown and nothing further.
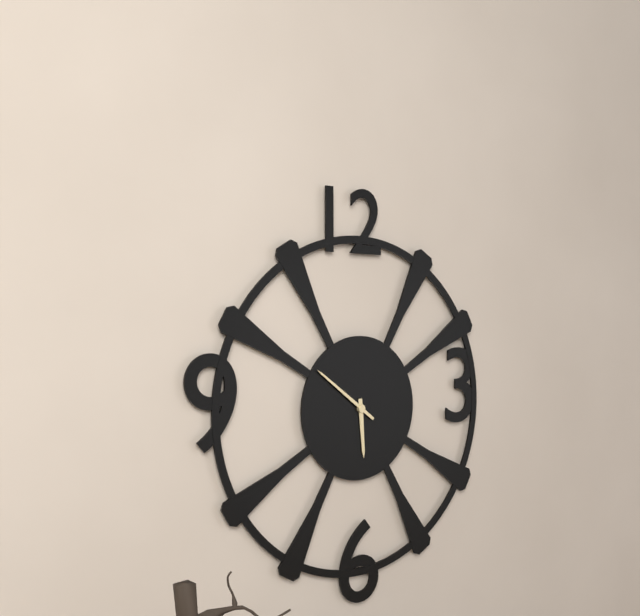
5:51
